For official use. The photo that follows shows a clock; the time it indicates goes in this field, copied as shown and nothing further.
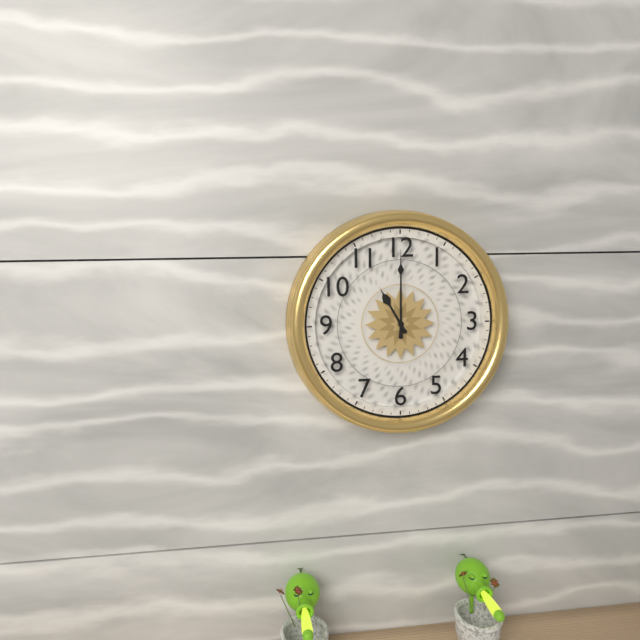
11:00
